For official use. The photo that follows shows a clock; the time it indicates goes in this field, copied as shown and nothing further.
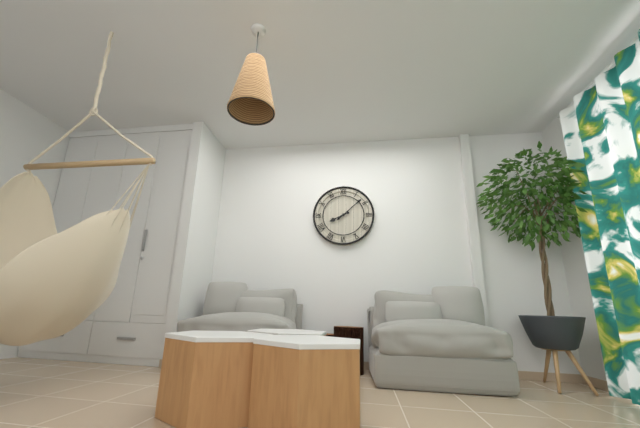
8:08
